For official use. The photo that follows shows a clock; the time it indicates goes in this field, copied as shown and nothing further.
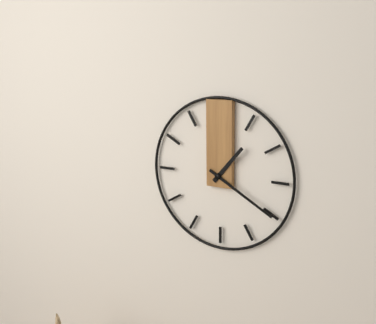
1:20
